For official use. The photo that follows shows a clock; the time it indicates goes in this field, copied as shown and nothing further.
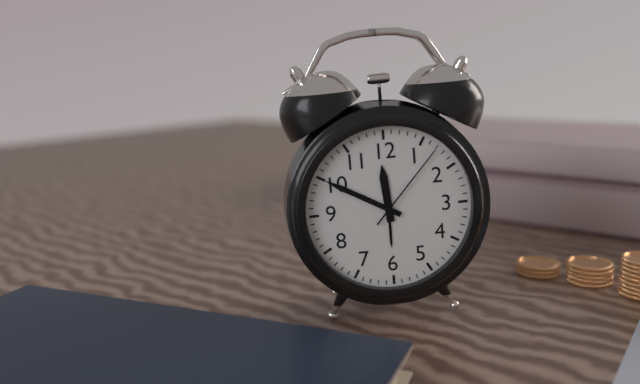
11:50:07
